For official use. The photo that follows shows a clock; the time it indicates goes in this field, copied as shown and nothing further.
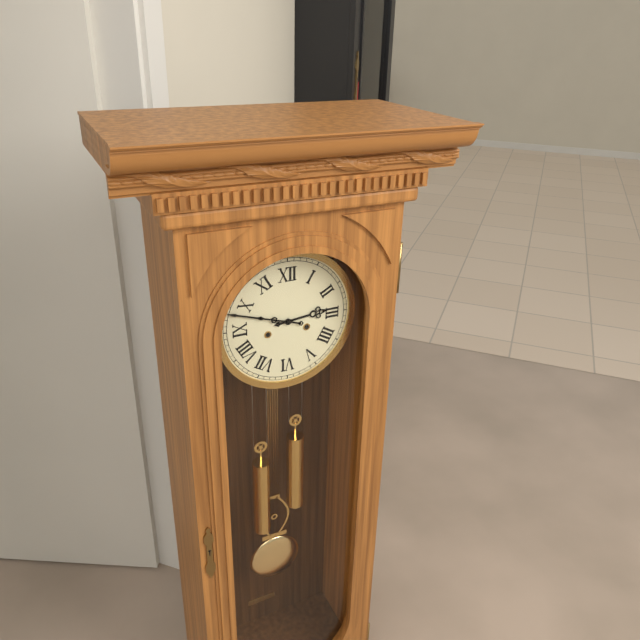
2:48
